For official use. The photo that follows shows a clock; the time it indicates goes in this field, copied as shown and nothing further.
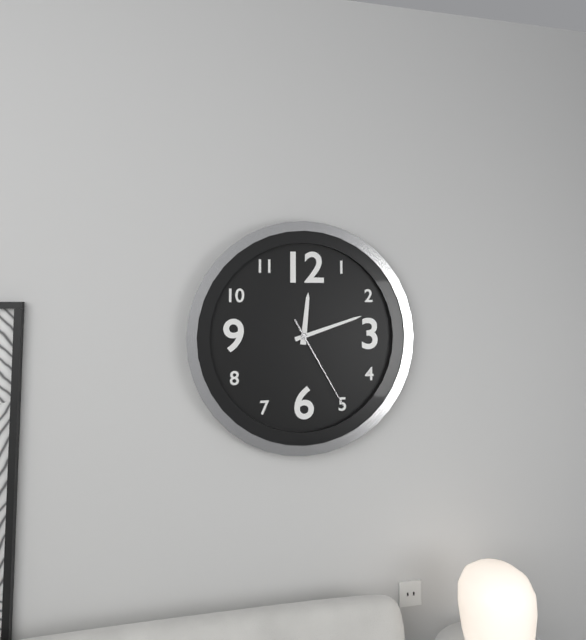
12:12:25
